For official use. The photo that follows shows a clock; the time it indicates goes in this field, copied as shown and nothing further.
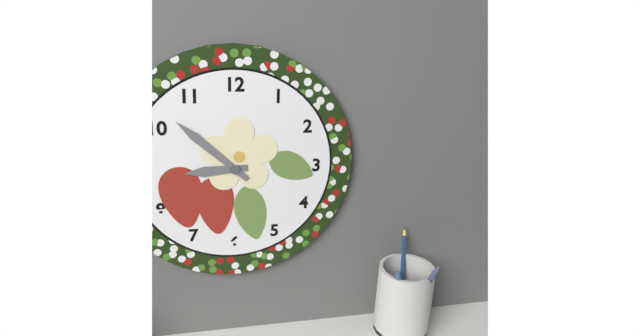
8:52
